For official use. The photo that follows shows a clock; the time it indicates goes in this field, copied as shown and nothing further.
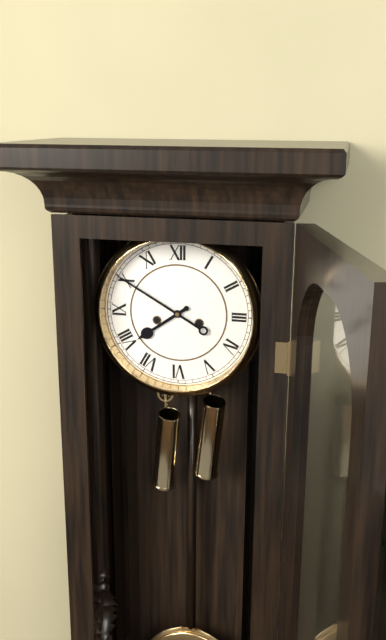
7:50
